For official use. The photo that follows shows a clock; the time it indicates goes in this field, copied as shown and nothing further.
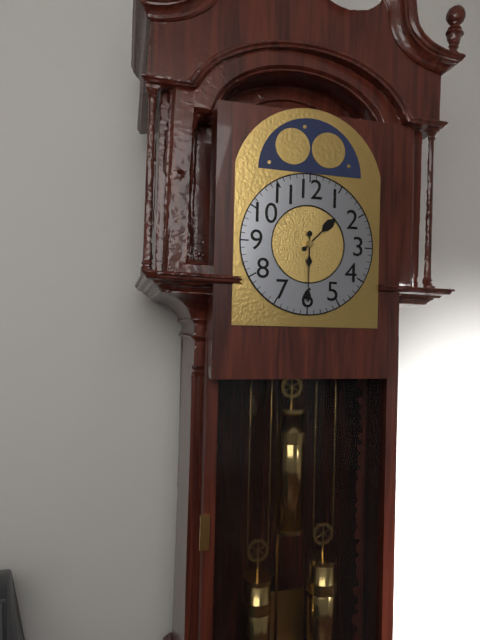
1:30
